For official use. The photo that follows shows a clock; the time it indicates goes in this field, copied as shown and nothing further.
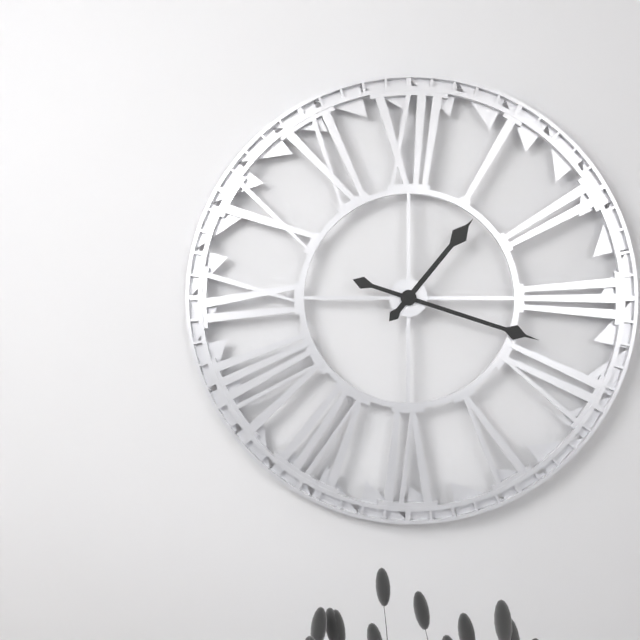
1:18
